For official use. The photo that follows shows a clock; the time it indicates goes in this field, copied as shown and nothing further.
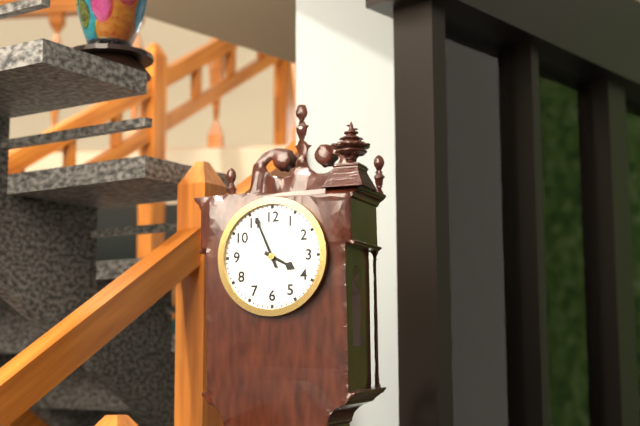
3:56
